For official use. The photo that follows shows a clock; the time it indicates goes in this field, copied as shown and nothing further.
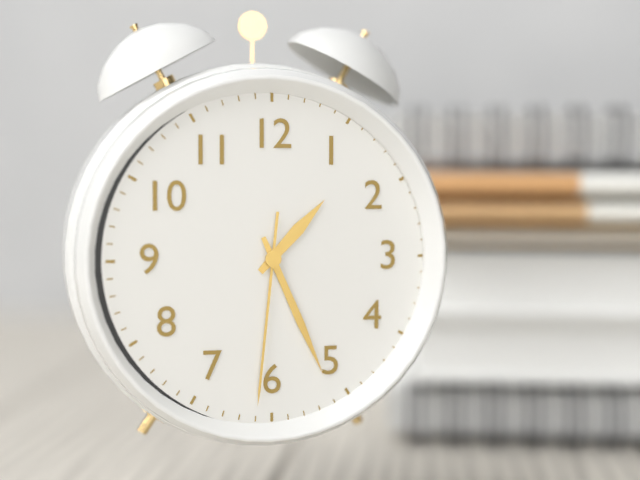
1:26:31
